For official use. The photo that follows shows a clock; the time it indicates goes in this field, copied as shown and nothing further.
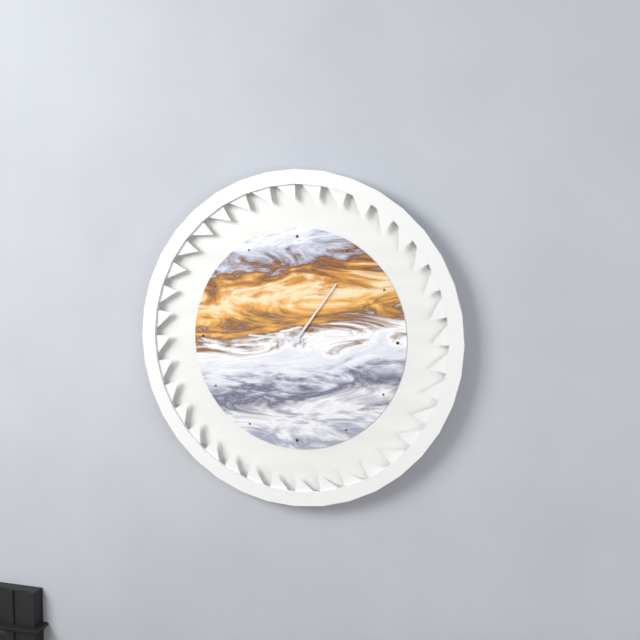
9:06
